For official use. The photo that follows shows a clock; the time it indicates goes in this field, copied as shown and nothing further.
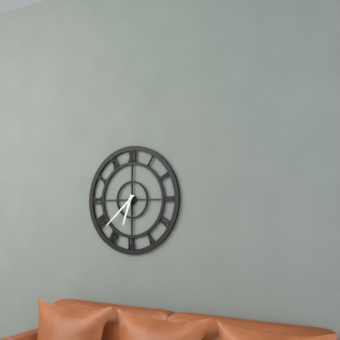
6:38
